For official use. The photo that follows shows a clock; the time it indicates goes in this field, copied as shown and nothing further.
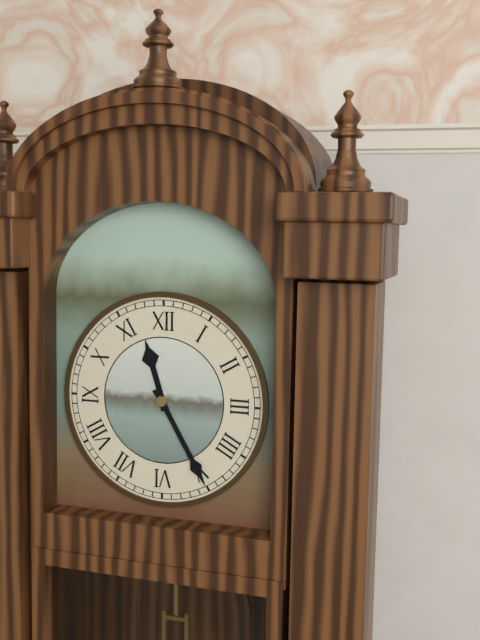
11:25
